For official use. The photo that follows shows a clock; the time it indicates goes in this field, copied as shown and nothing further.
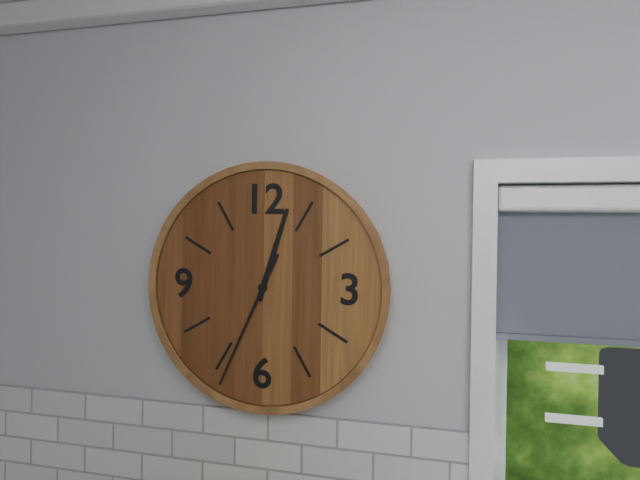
12:34
